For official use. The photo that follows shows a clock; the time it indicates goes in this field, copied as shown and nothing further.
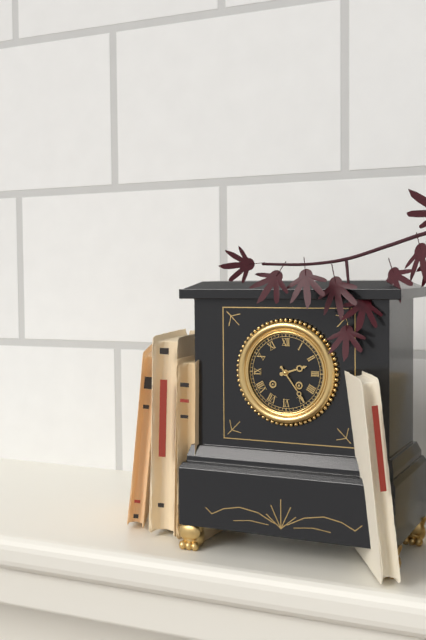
2:24
